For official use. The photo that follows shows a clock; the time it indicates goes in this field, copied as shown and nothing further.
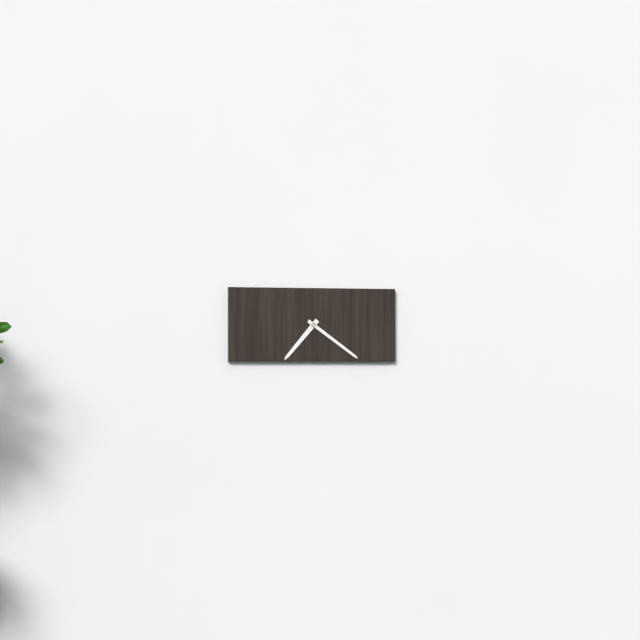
7:21
